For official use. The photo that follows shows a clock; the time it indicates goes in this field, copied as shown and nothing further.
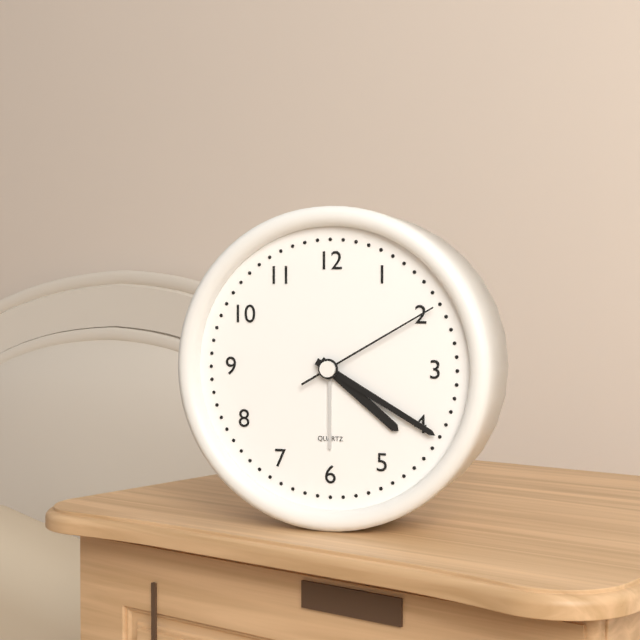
4:20:10
